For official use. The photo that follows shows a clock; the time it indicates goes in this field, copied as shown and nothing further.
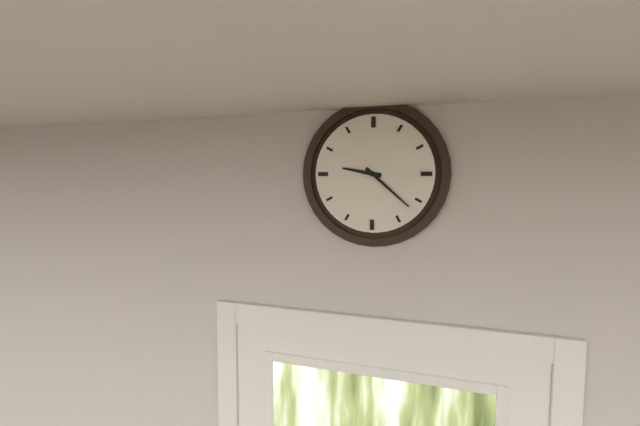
9:22
